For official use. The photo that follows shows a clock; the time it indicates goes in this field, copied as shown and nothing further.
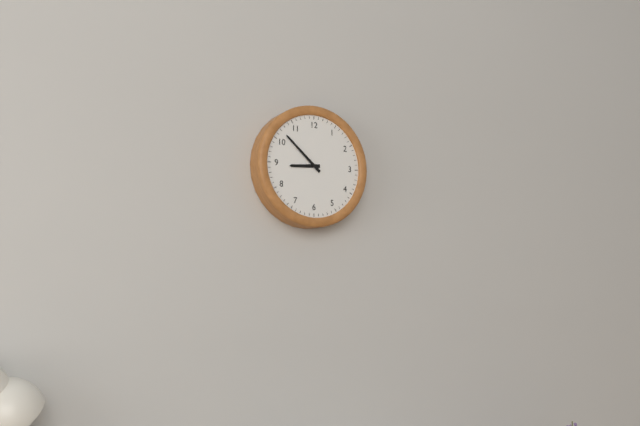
8:52
